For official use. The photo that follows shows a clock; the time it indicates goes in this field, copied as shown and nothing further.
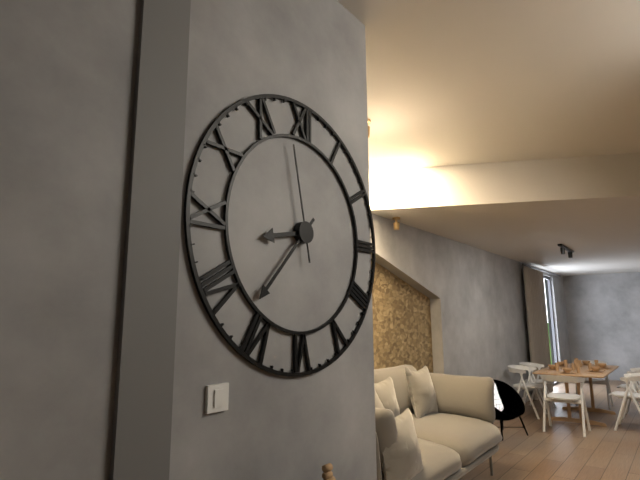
8:37:58
